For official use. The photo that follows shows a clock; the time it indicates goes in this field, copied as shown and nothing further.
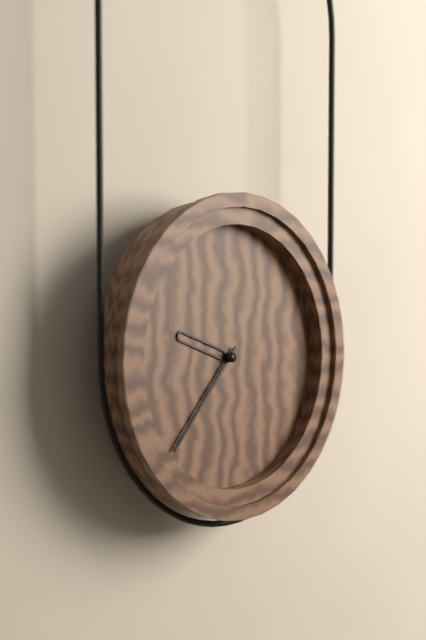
9:37
